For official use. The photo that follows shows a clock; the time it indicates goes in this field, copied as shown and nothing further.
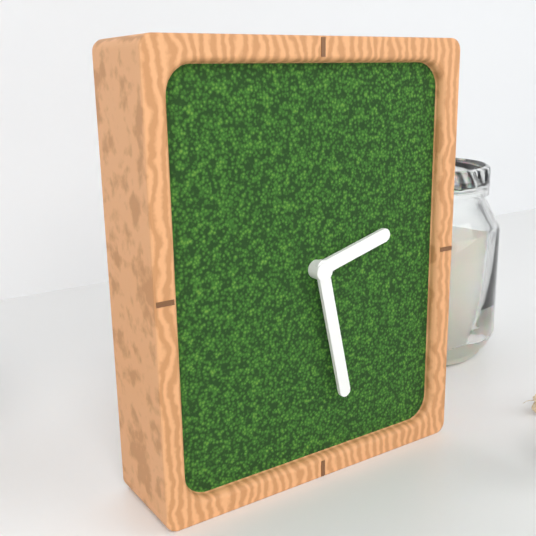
2:28
